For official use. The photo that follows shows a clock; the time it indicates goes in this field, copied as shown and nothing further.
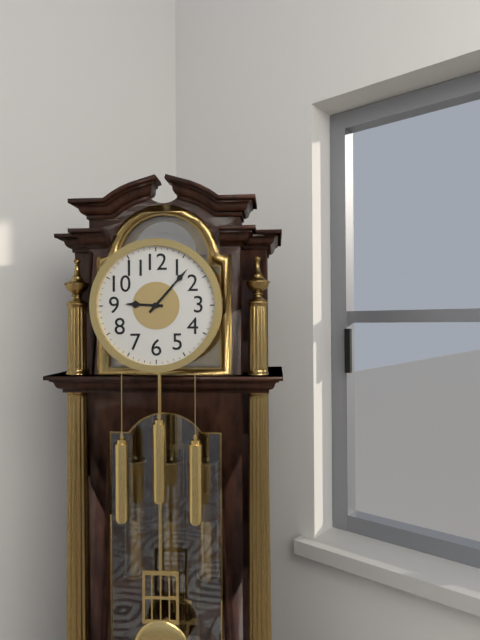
9:07
